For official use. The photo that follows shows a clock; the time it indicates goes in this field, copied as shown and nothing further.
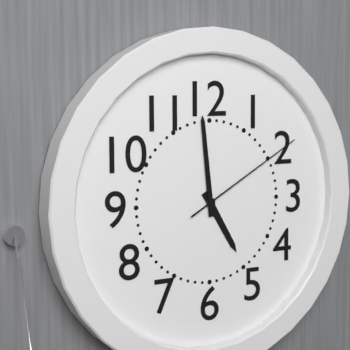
4:59:10
